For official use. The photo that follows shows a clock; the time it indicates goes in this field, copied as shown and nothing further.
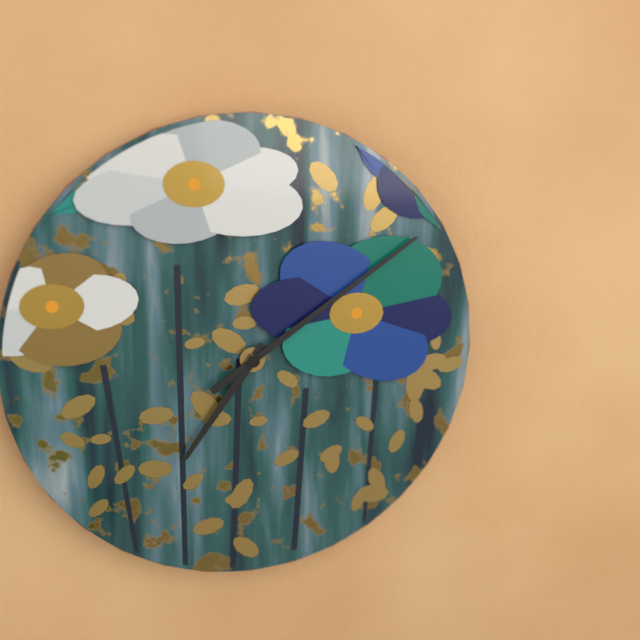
7:09
